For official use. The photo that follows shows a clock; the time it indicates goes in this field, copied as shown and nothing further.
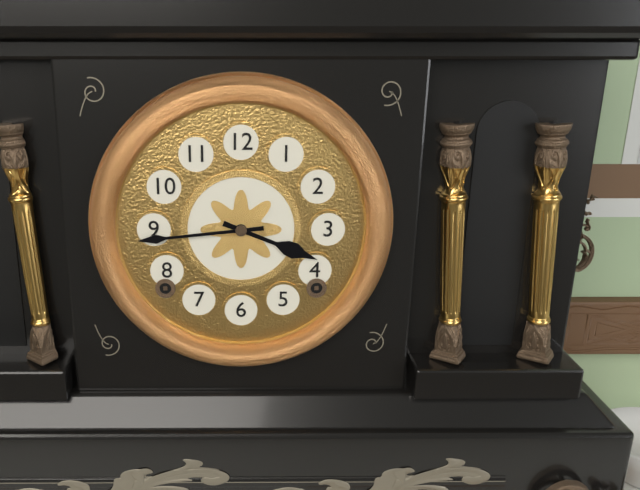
3:44
